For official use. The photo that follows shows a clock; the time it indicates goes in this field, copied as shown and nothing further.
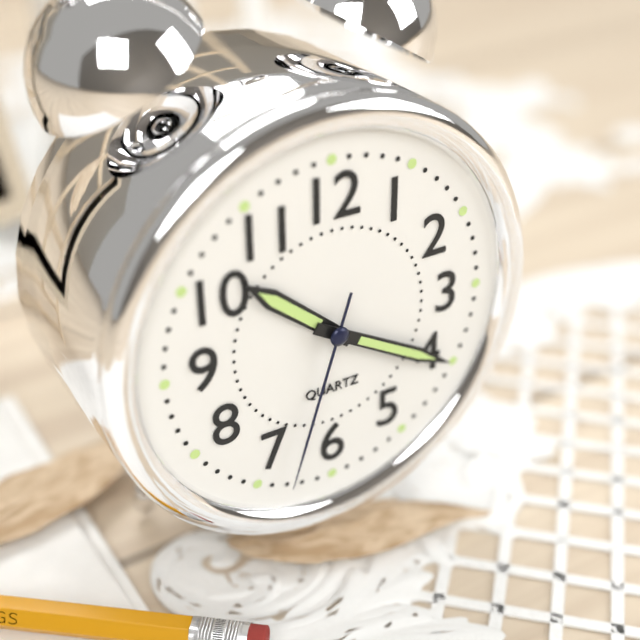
10:20:33
